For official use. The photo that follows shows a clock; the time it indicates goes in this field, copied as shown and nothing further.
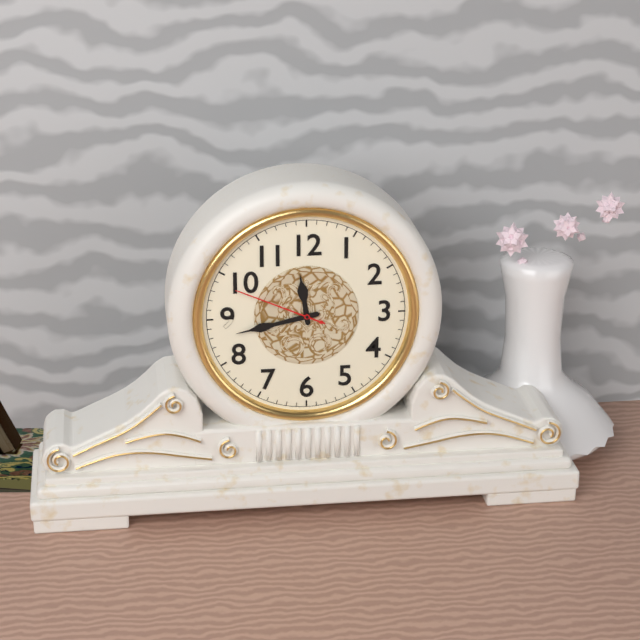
11:43:49
